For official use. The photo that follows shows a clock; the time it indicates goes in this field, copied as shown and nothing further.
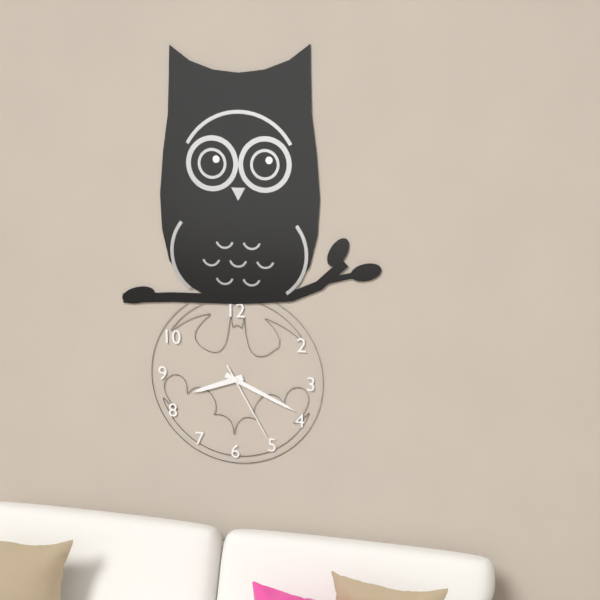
8:19:25
